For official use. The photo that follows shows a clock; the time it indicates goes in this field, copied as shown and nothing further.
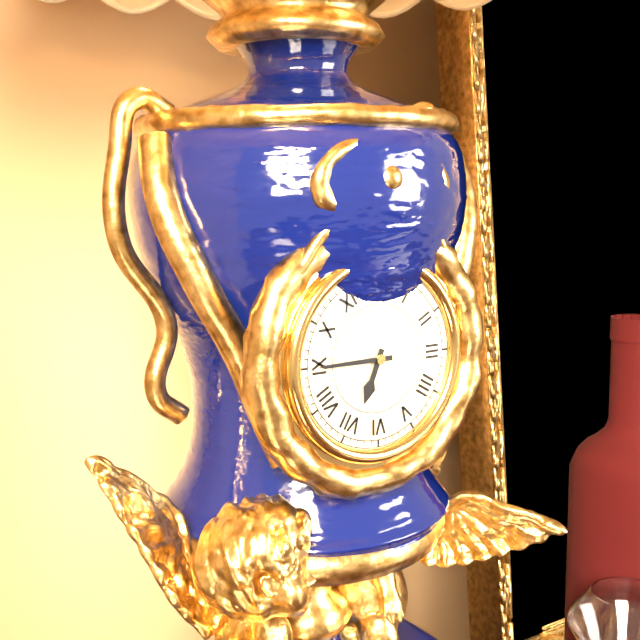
6:45
